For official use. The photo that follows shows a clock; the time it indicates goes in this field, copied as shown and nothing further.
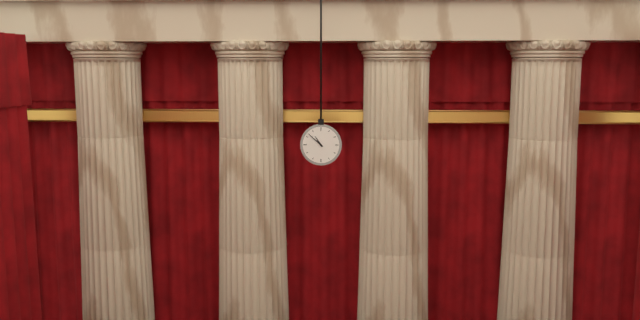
10:52
